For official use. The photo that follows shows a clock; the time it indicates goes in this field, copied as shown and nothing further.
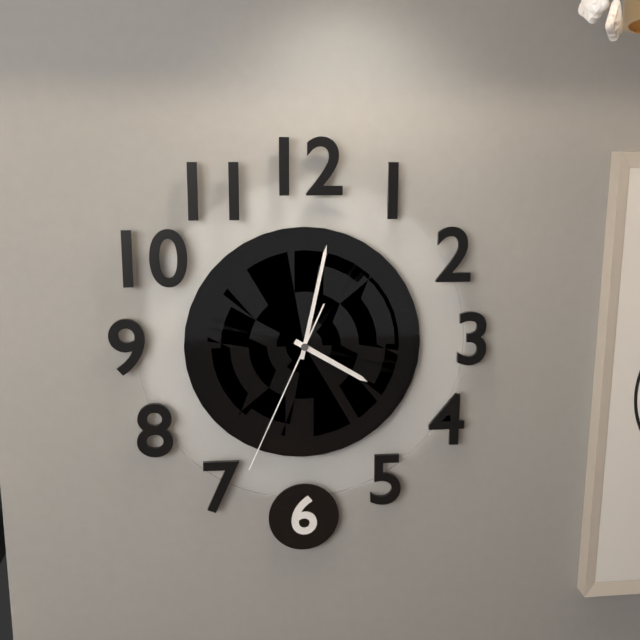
4:02:34
